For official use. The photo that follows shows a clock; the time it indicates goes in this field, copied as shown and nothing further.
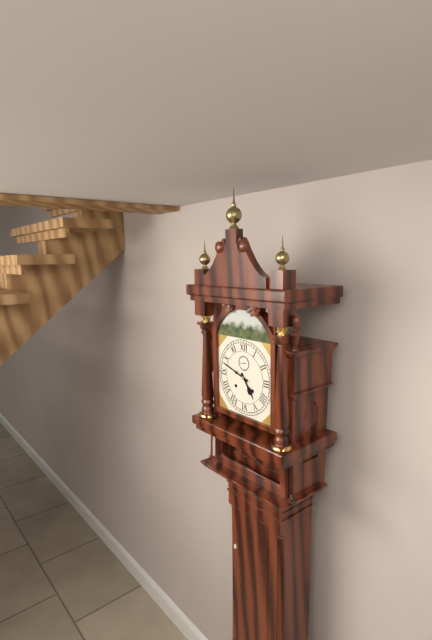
4:48
